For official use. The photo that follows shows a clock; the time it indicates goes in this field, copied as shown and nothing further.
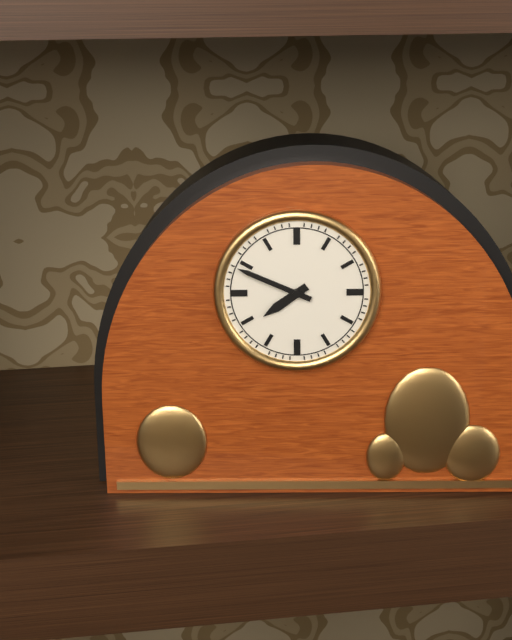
7:49
